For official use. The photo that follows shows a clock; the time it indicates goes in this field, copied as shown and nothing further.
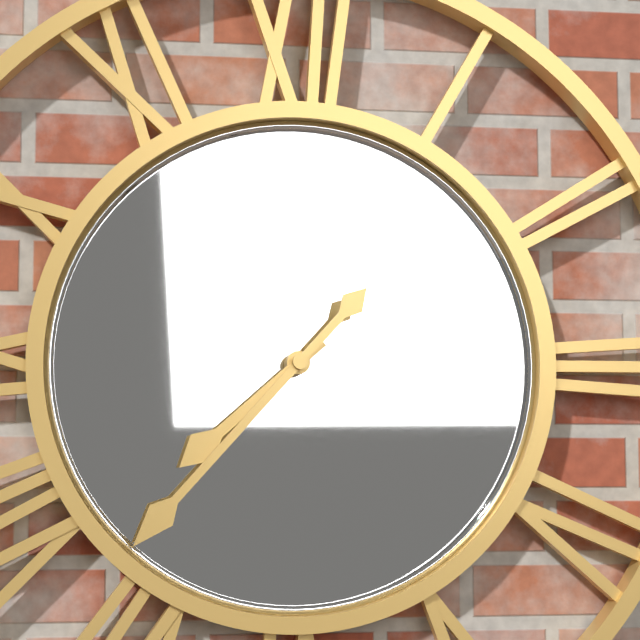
7:37
